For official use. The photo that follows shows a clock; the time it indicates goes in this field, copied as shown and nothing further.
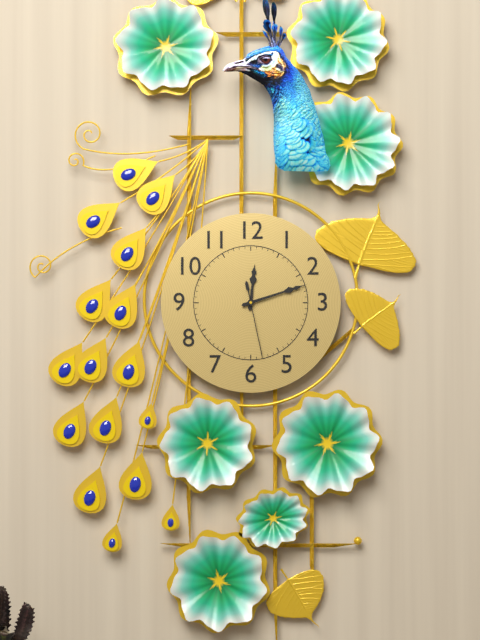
12:12:28
